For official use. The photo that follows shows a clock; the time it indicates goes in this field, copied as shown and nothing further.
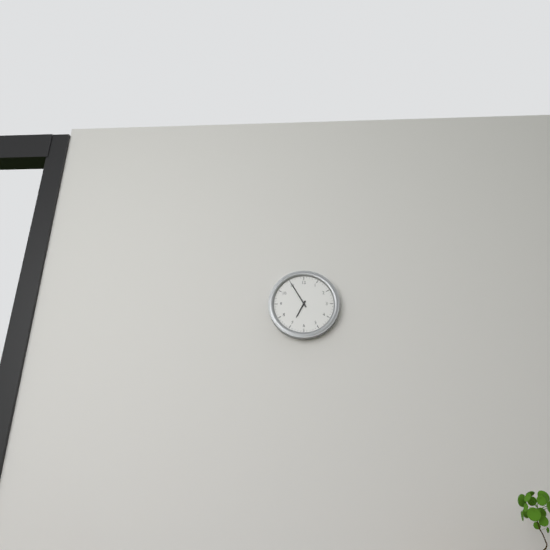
6:55
